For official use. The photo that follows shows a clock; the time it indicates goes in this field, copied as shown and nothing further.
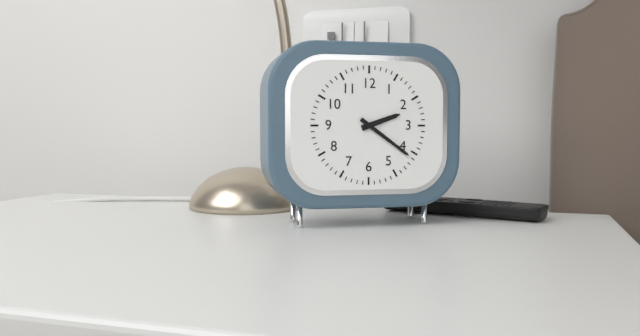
2:21
